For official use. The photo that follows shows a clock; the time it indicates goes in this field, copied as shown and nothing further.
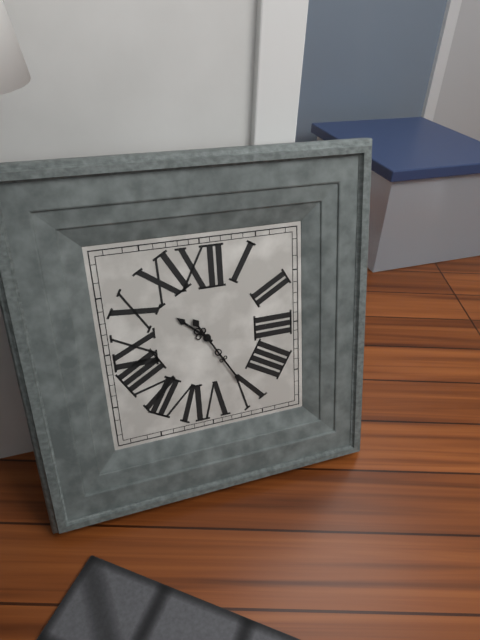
10:25
